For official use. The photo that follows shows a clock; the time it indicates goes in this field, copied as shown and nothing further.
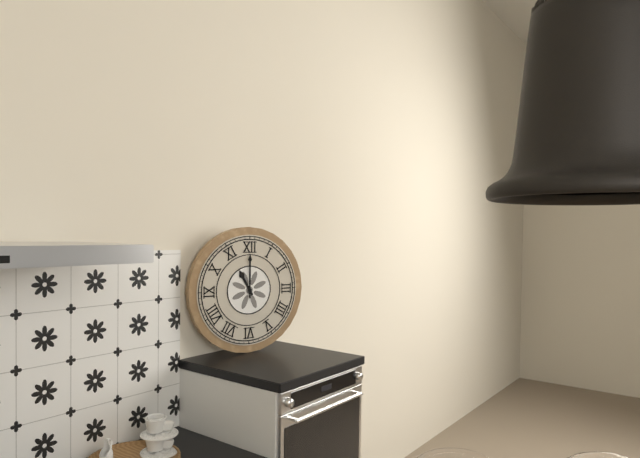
11:00
